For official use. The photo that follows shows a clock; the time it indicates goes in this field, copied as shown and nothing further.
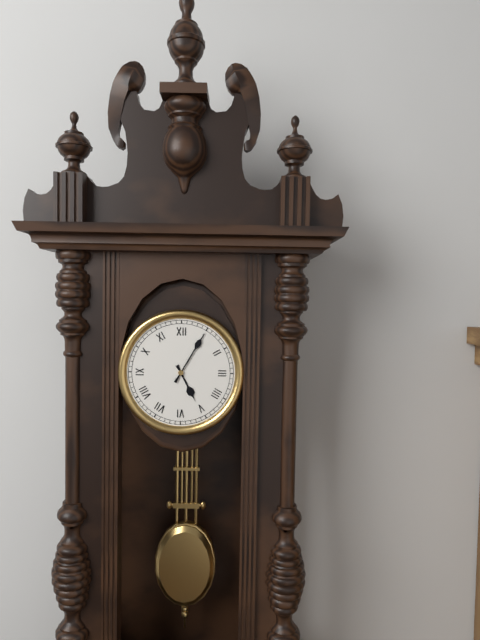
5:05
